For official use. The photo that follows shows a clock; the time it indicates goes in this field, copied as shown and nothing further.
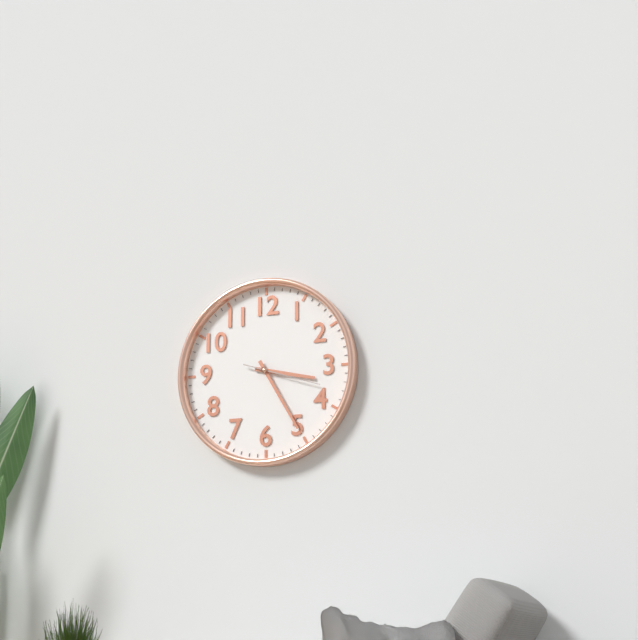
3:25:18
